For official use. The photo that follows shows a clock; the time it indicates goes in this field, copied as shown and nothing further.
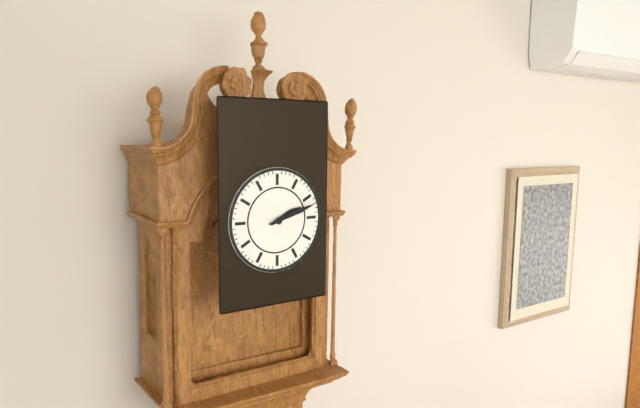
2:12
